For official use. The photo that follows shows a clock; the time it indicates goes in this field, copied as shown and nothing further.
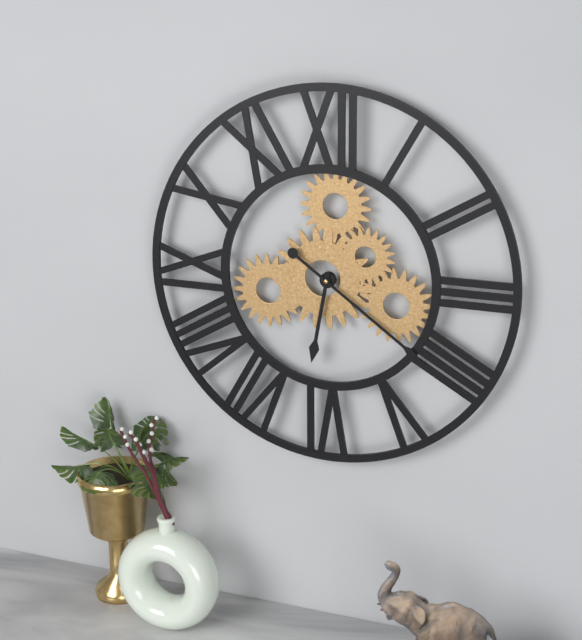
6:21
